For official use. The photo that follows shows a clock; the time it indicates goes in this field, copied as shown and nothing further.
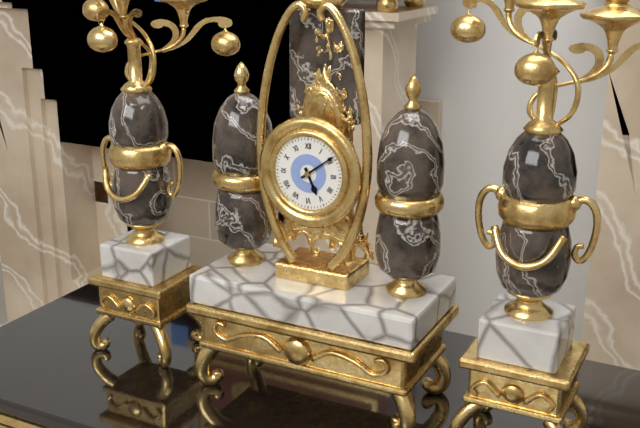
5:09
